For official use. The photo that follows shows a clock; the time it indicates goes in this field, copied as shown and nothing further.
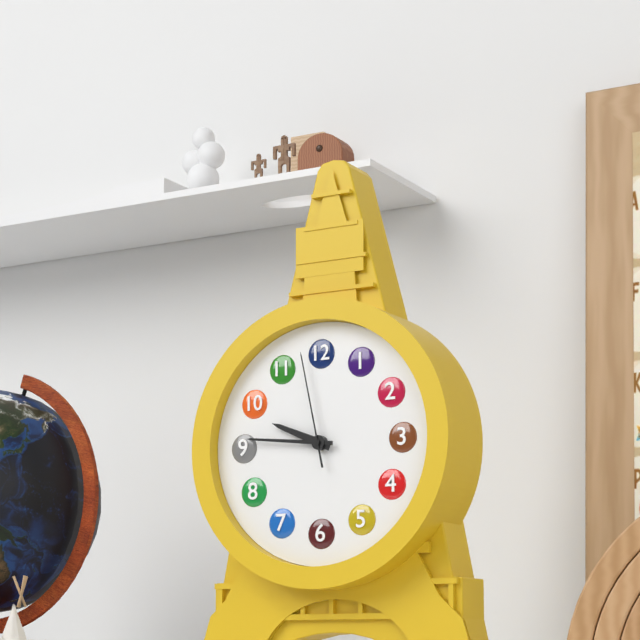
9:46:58
